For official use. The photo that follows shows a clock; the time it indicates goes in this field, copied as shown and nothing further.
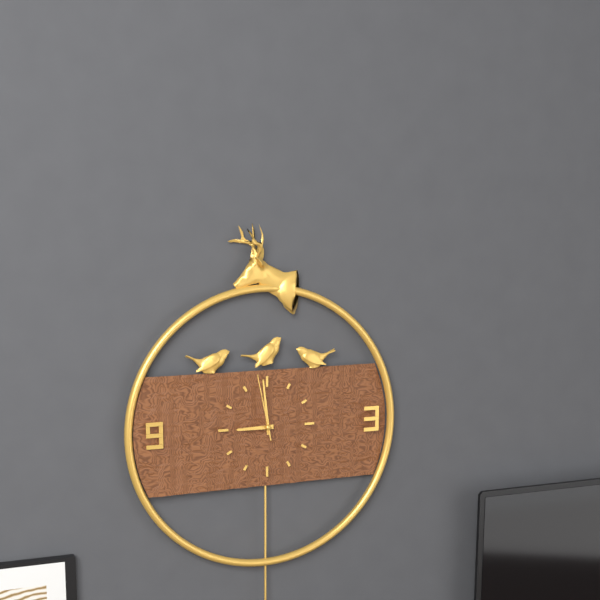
8:59:58
